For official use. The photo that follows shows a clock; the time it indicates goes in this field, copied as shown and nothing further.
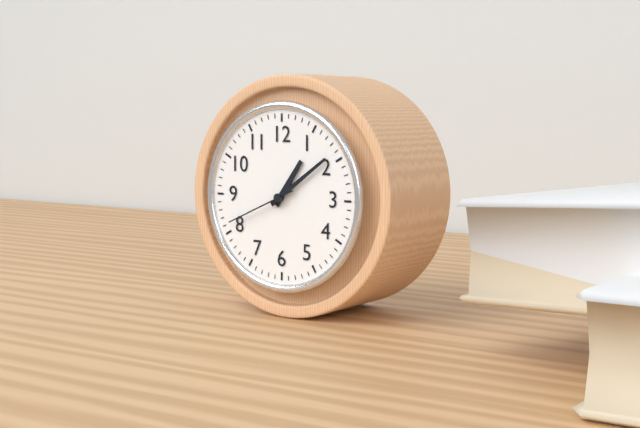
1:09:41
